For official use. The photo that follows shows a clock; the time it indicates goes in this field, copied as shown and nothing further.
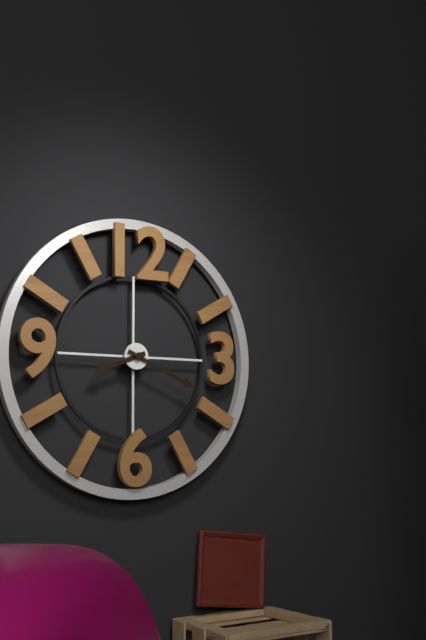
8:19
